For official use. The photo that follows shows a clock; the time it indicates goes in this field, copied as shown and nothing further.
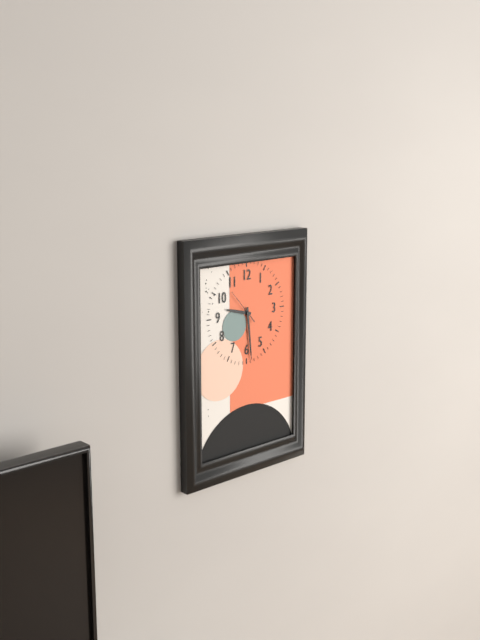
9:29
